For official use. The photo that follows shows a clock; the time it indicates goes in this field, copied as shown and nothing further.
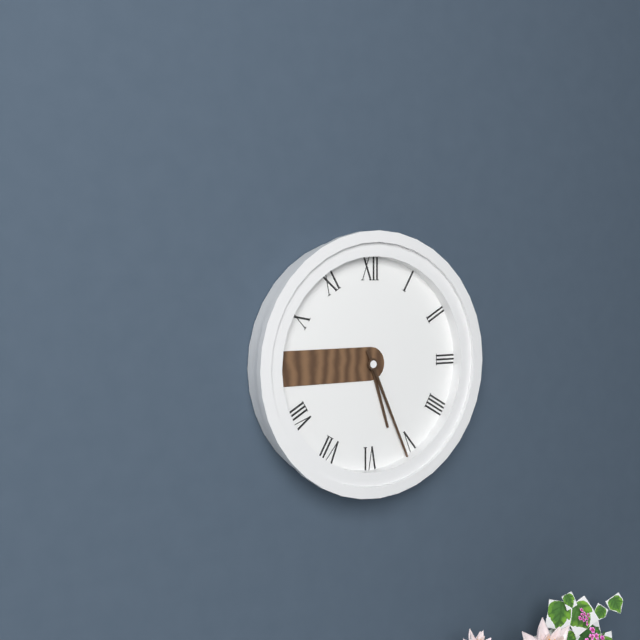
5:26
